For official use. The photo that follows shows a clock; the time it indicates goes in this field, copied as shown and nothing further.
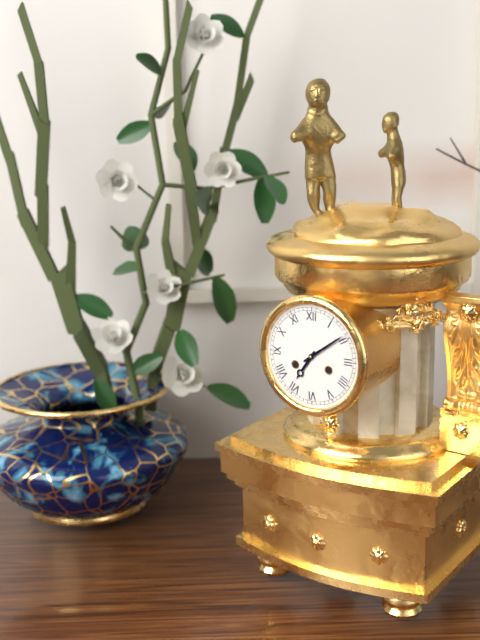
7:09
